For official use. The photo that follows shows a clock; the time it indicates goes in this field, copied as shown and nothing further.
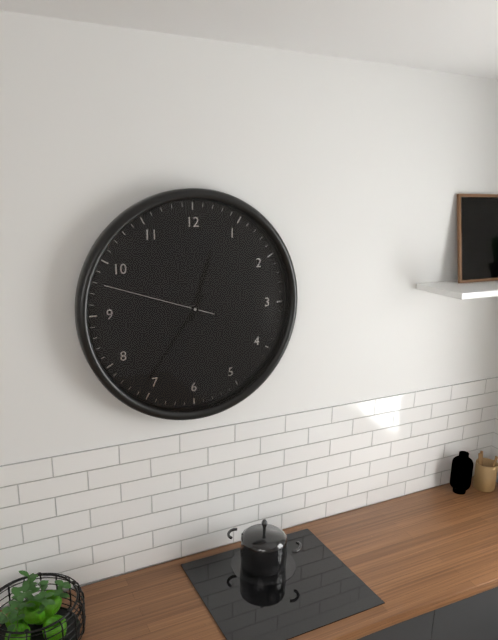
12:36:48
